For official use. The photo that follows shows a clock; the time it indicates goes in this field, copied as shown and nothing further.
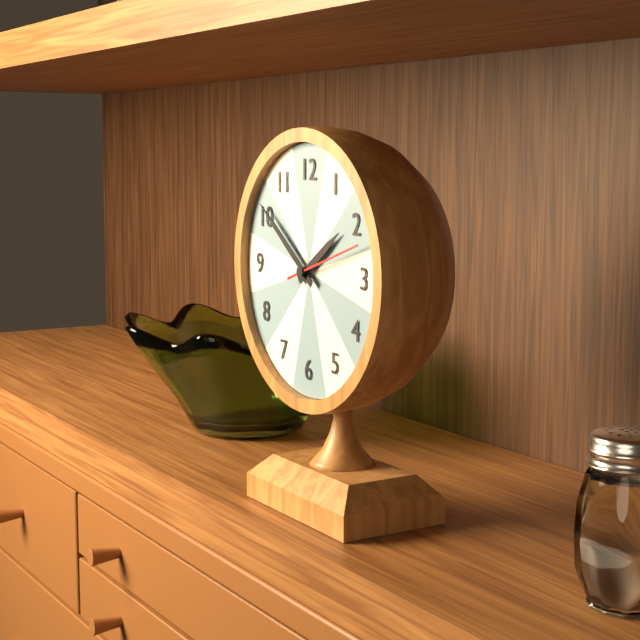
1:51:12
